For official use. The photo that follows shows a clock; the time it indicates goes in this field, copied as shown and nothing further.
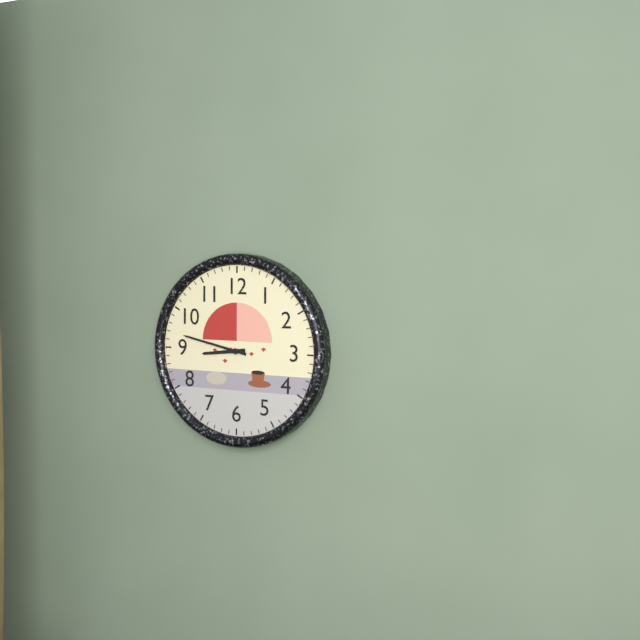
8:47
